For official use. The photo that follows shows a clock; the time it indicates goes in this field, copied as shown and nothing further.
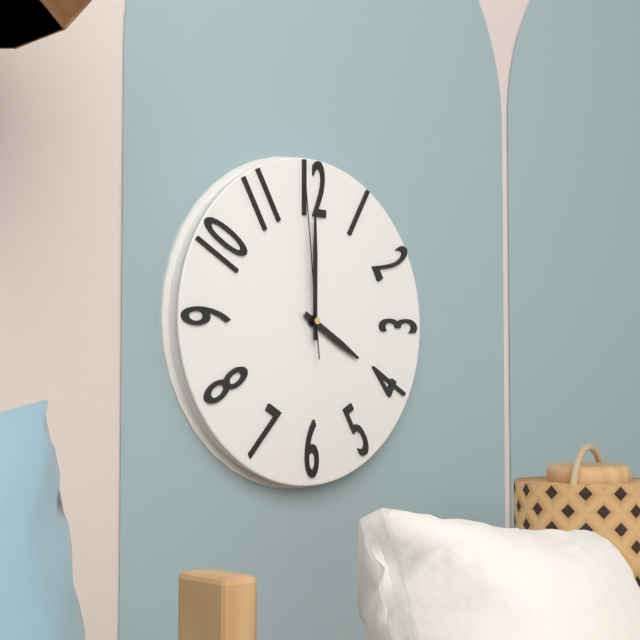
4:00:59
